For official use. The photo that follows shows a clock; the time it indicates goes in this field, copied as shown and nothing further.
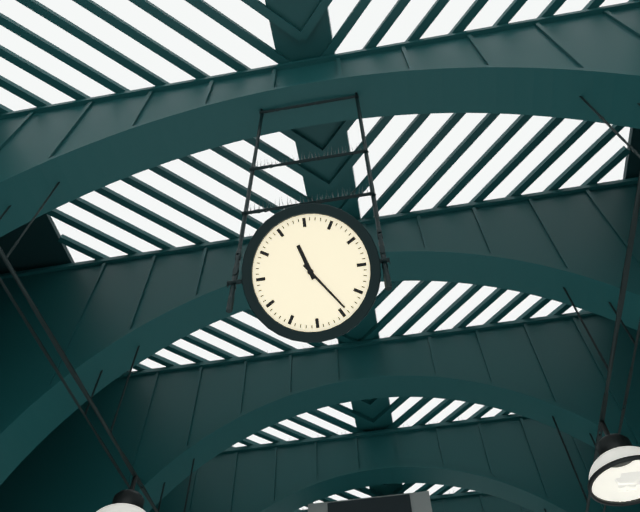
11:24
